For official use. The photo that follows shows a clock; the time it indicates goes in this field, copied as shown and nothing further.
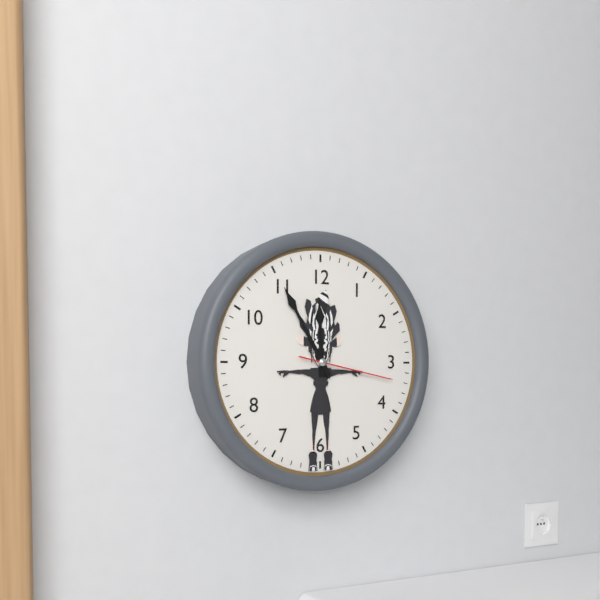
11:55:17
